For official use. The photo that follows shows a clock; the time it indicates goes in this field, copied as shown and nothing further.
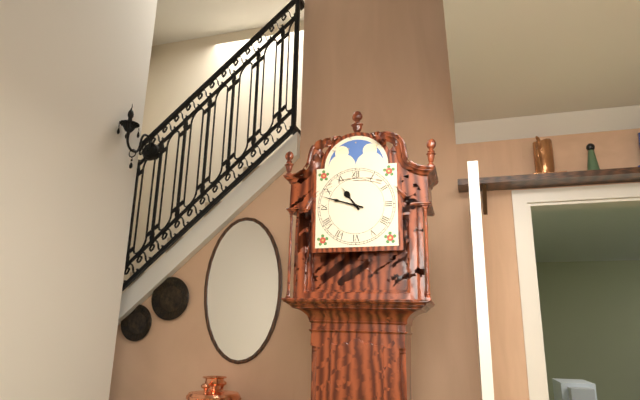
10:48
